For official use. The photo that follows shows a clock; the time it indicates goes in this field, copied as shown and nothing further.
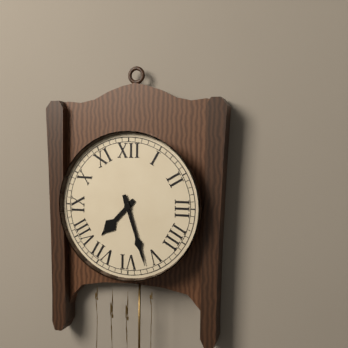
7:27
